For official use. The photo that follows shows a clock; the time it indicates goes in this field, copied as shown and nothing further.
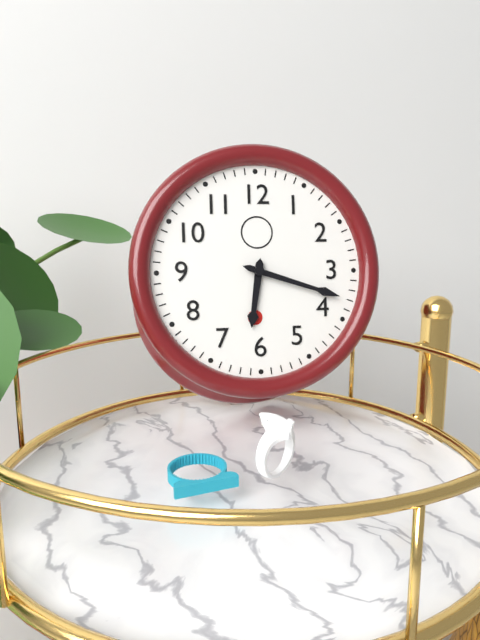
6:18
